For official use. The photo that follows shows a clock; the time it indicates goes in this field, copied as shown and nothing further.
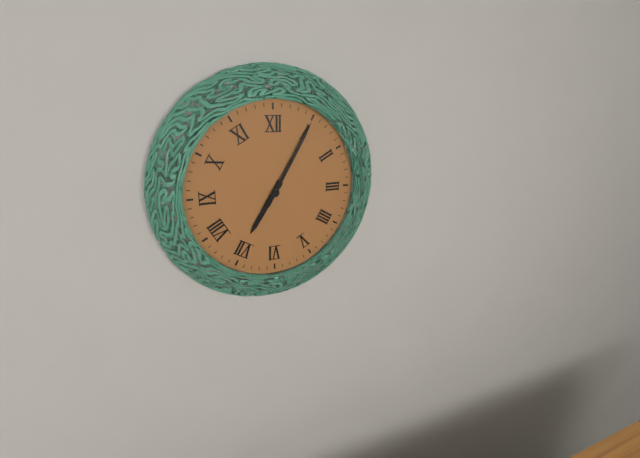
7:05
